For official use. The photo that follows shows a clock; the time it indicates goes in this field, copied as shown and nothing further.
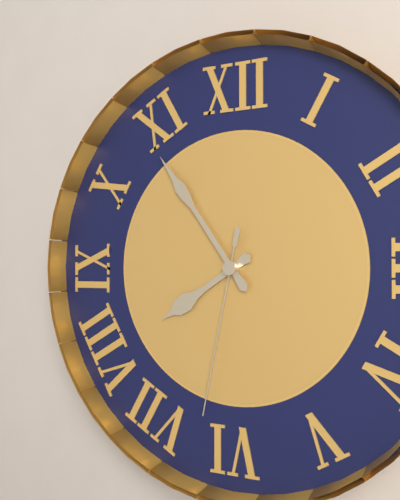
7:54:32
